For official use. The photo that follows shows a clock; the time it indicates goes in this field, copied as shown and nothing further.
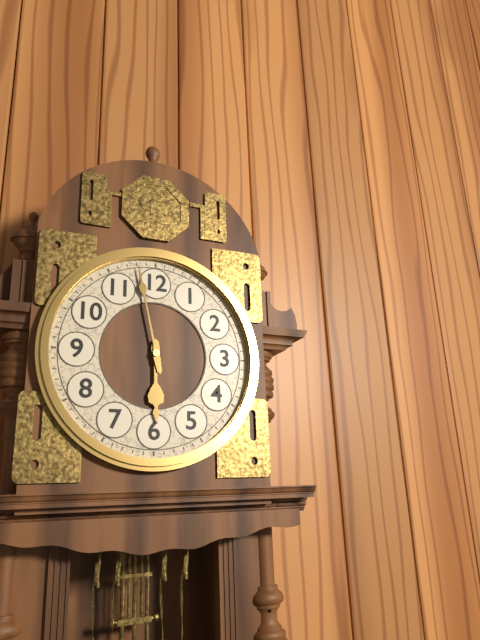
5:58
